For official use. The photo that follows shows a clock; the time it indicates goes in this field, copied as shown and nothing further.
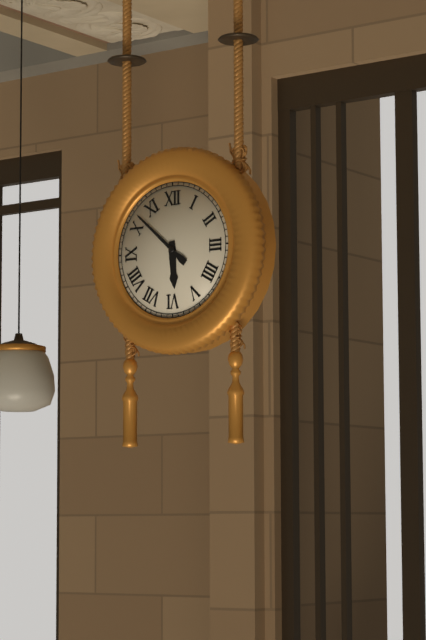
5:52
